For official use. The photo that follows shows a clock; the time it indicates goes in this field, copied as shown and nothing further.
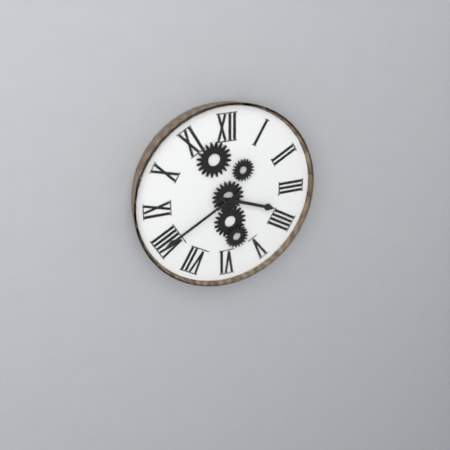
3:40
